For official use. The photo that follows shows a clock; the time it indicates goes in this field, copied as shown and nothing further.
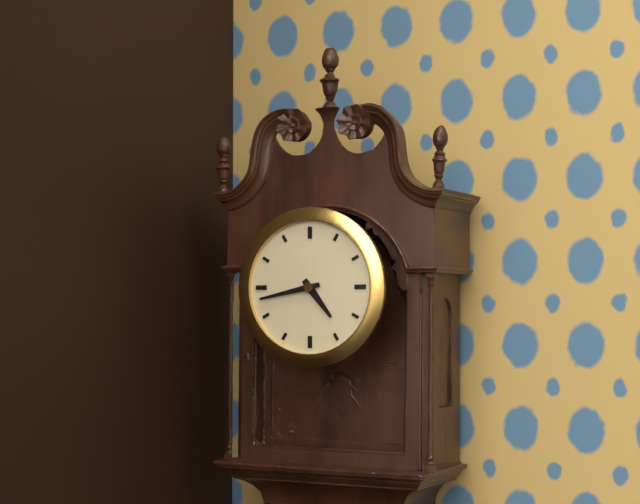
4:43
